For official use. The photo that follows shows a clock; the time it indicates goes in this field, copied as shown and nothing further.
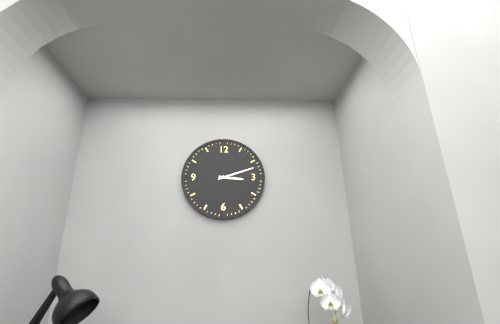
3:12
